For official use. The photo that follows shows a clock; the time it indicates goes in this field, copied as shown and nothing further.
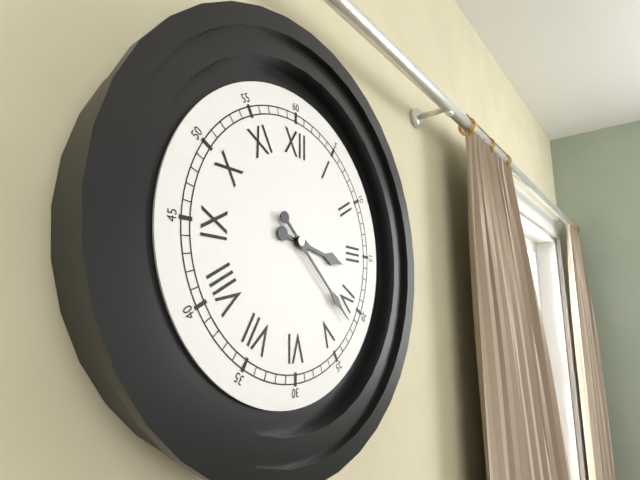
3:22
